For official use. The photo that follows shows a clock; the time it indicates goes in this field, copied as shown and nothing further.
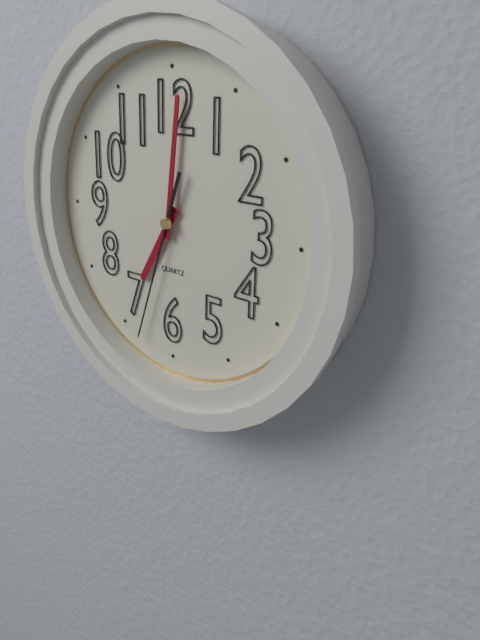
7:01:33
